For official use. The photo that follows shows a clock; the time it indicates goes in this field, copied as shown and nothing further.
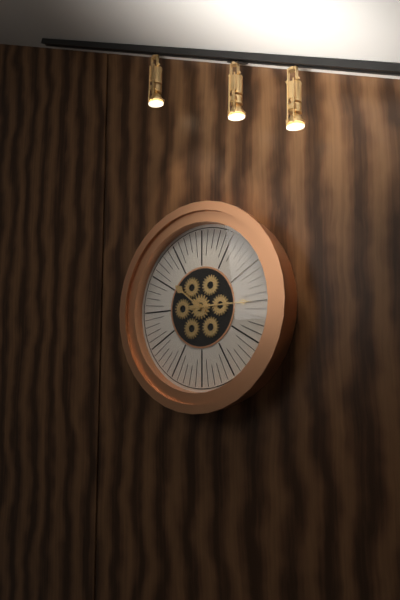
10:15
